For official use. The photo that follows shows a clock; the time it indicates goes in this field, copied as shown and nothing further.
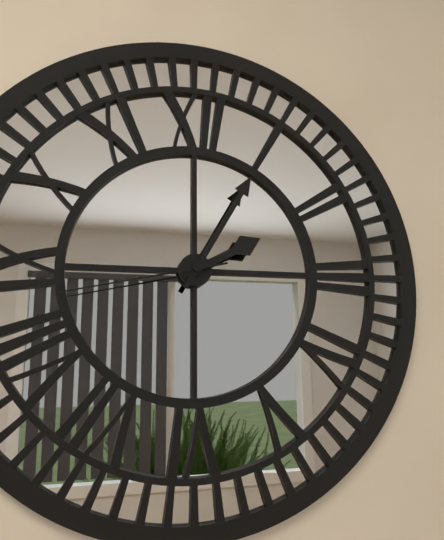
2:05:43
